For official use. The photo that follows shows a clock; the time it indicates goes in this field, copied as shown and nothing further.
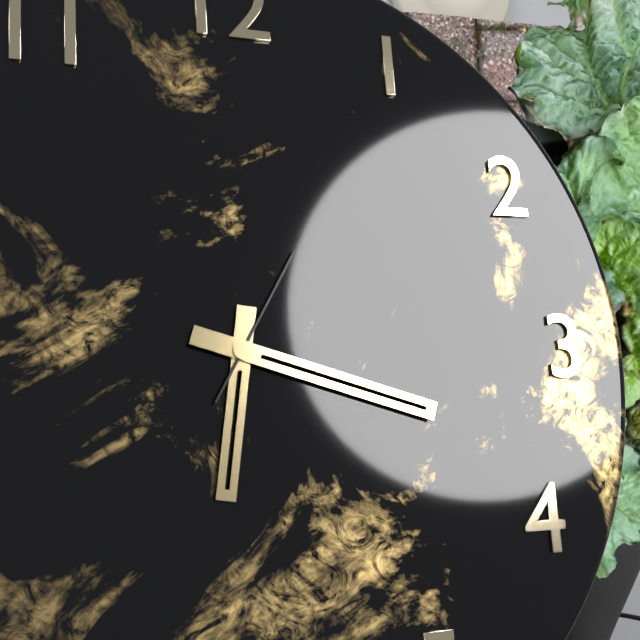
6:18:05
